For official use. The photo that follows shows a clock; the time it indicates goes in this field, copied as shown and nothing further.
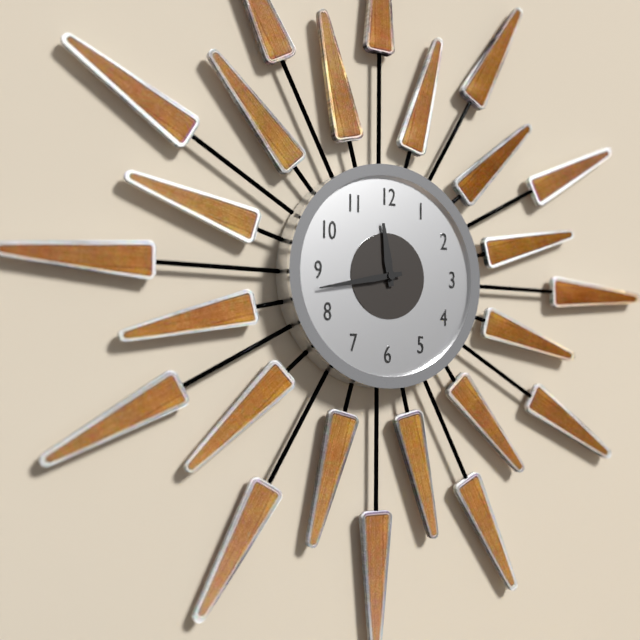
11:43
